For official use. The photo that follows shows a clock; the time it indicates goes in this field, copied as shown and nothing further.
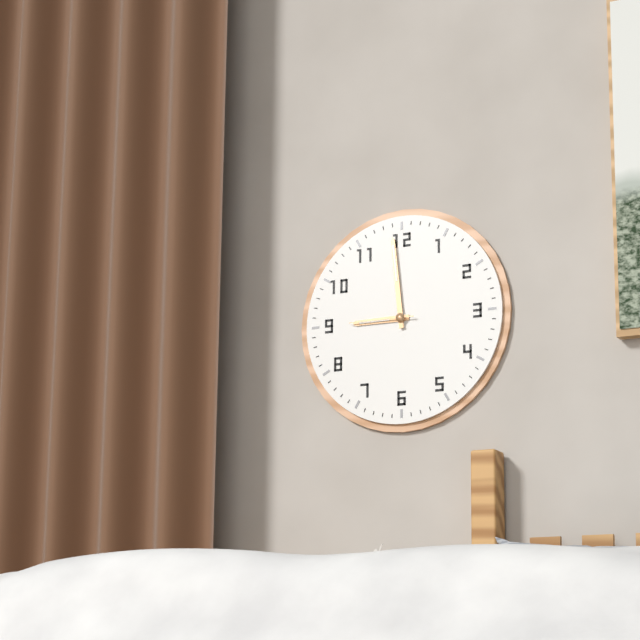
8:59:45
